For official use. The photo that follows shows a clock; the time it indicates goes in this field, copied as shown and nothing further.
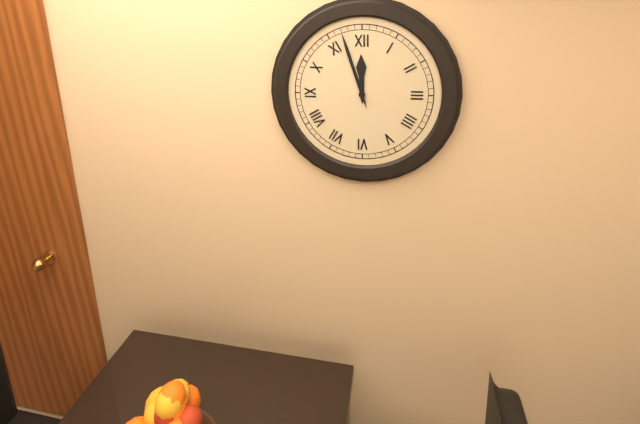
11:57
